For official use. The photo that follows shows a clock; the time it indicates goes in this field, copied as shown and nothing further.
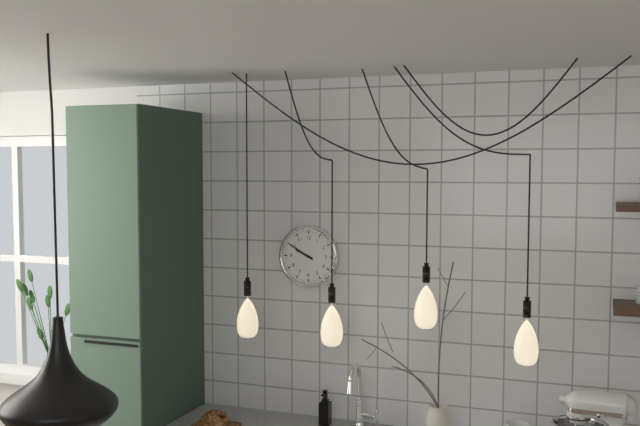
9:50
